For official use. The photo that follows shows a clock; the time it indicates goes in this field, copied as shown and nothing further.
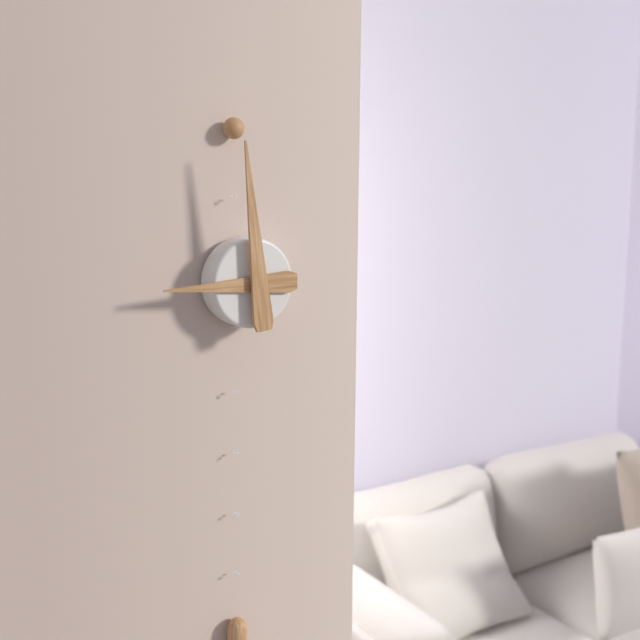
8:59
